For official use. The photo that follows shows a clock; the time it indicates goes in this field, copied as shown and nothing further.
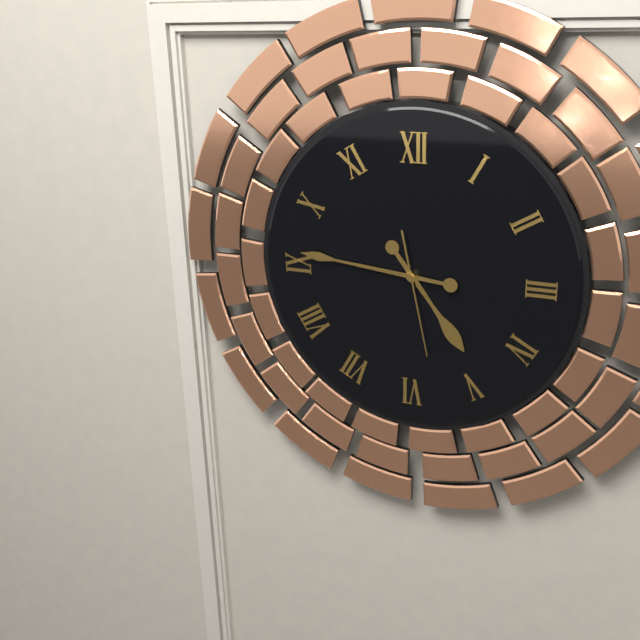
4:46:28
